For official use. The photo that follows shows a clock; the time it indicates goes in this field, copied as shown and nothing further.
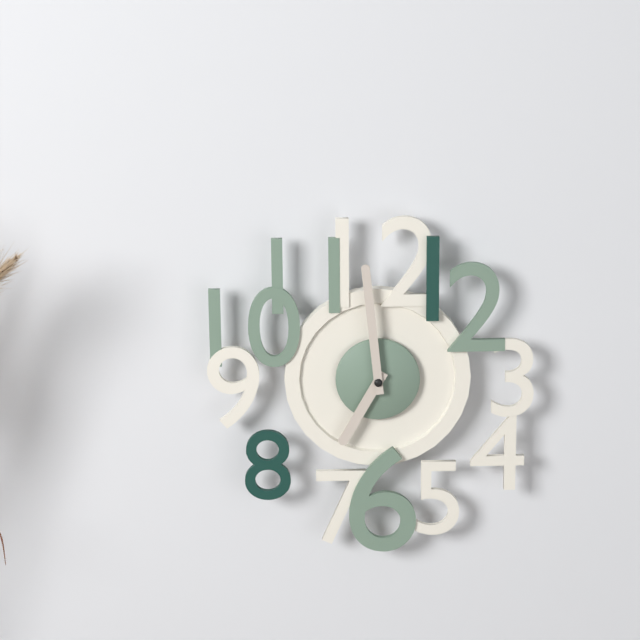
6:59
